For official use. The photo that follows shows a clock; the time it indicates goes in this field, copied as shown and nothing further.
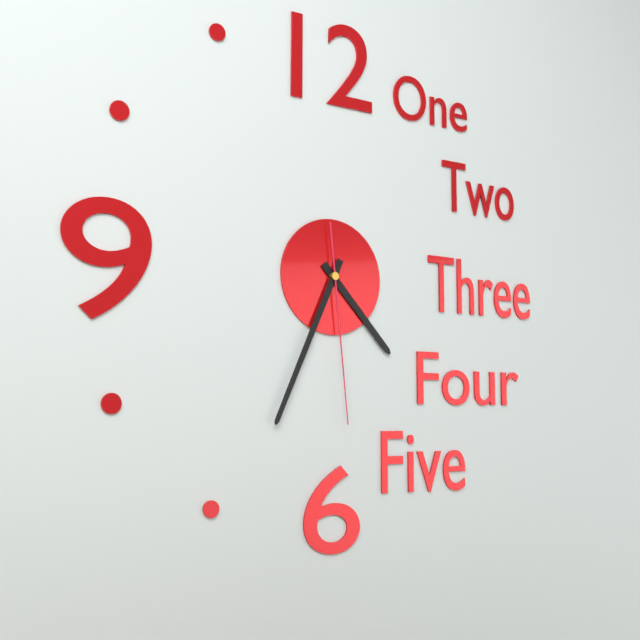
4:34:29
